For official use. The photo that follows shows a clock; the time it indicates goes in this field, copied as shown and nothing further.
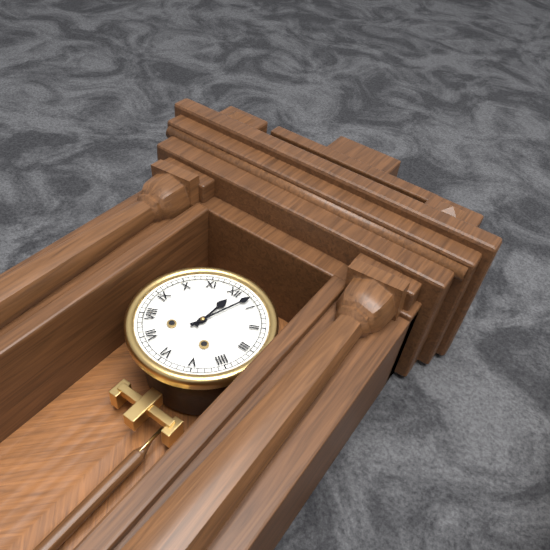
12:03
